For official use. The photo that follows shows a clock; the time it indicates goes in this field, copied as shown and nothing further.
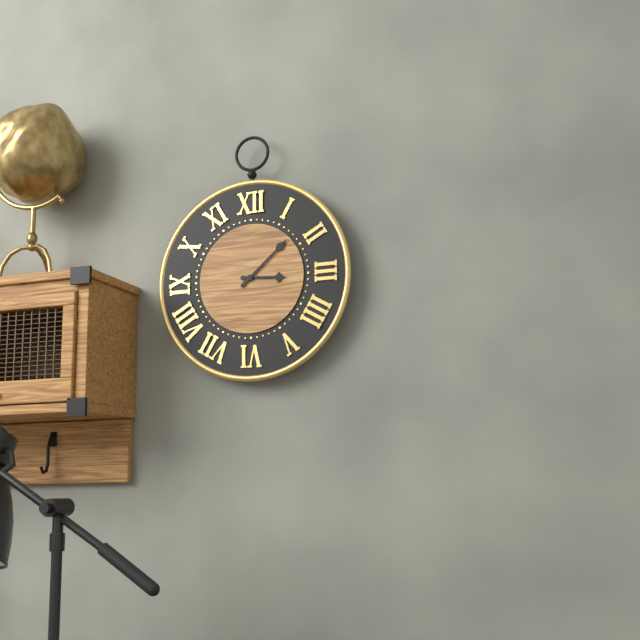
3:08
